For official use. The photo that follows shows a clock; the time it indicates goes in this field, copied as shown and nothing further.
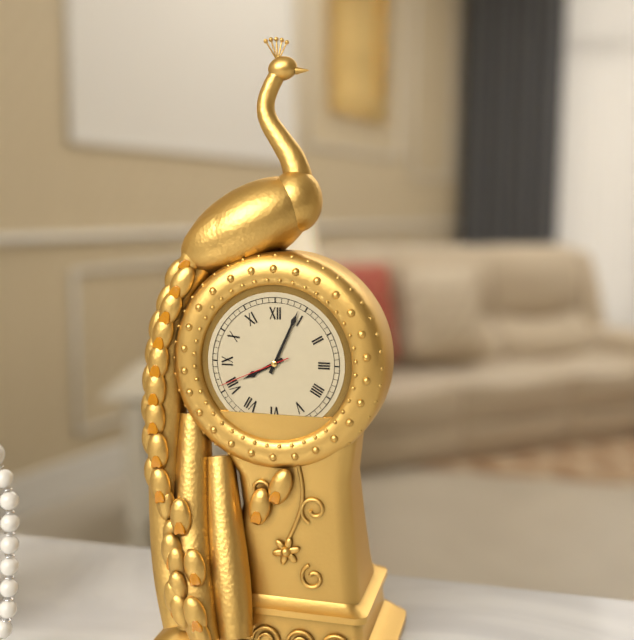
8:04:41
